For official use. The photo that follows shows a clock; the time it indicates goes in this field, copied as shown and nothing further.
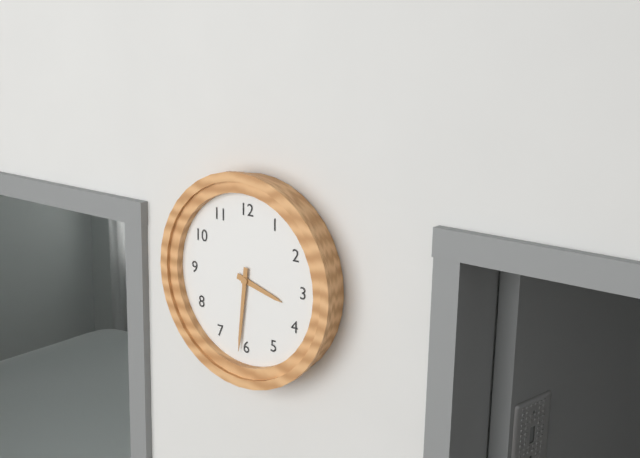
3:31
